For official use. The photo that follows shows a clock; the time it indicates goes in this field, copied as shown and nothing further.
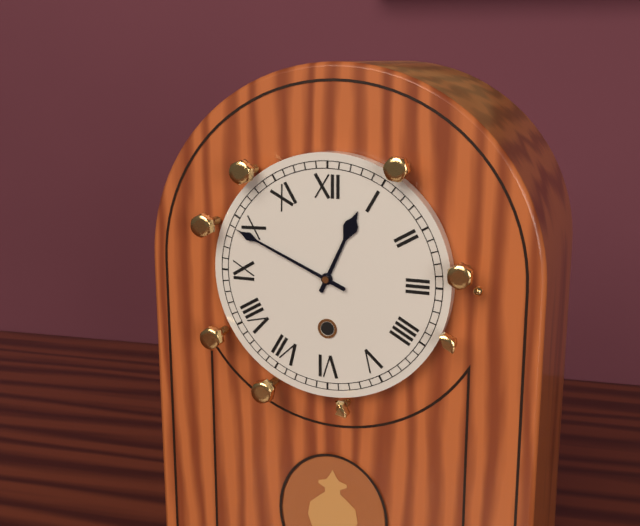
12:49
